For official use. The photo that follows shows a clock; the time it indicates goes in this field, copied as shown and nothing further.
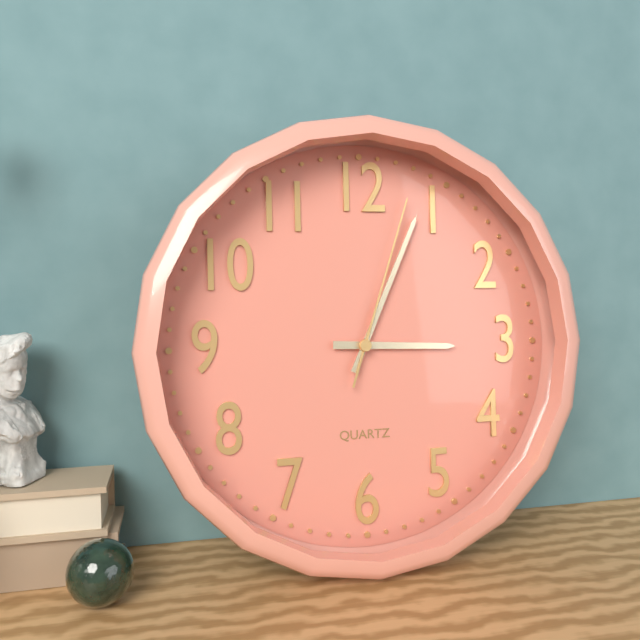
3:04:03
